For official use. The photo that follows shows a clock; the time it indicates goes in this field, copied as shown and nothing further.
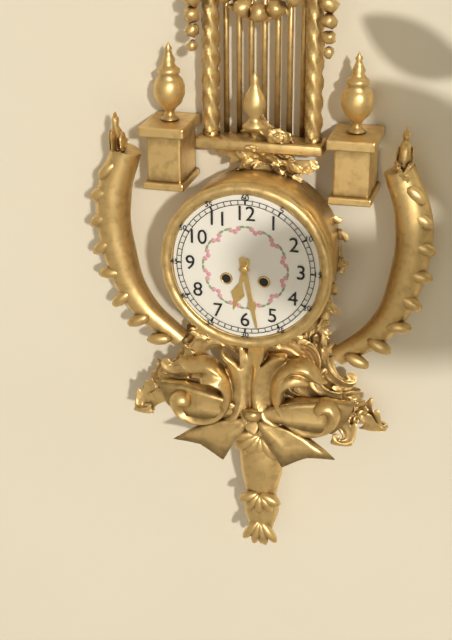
6:28
